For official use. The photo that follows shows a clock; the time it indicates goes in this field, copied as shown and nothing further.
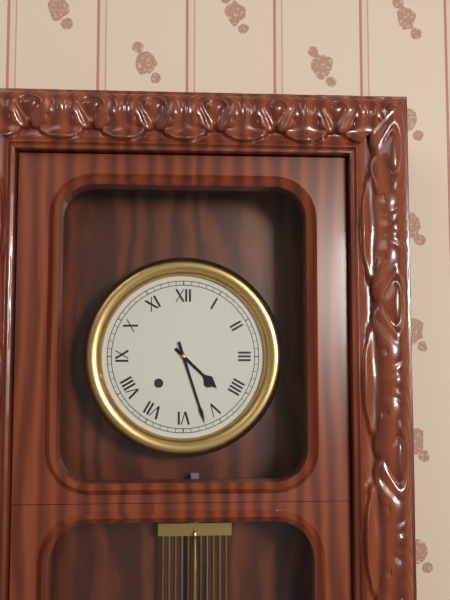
4:27
